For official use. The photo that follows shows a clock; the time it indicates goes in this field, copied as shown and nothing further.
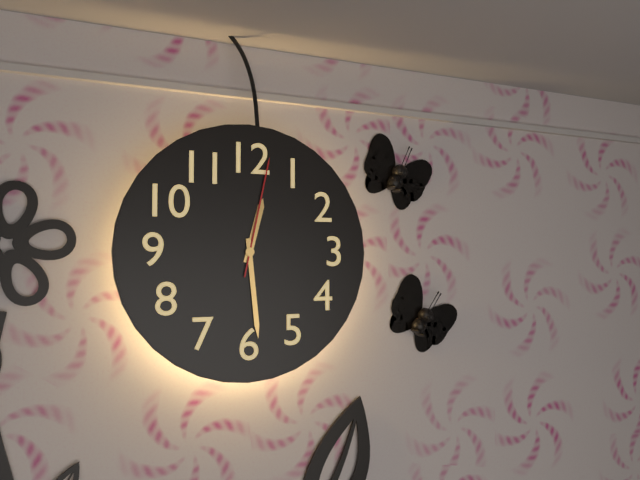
12:29:02
